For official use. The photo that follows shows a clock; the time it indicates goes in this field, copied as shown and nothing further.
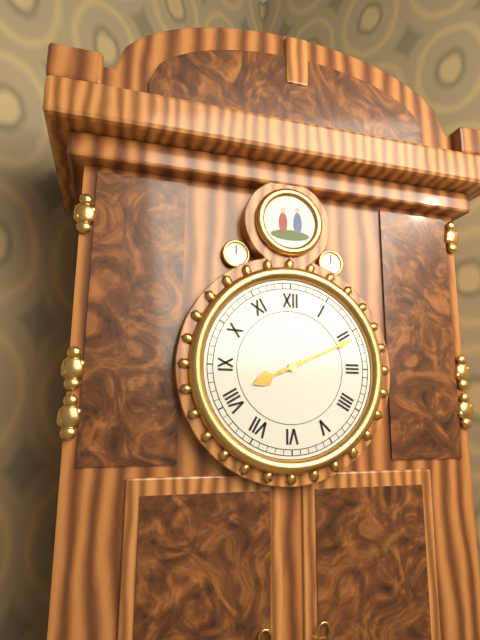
8:11
